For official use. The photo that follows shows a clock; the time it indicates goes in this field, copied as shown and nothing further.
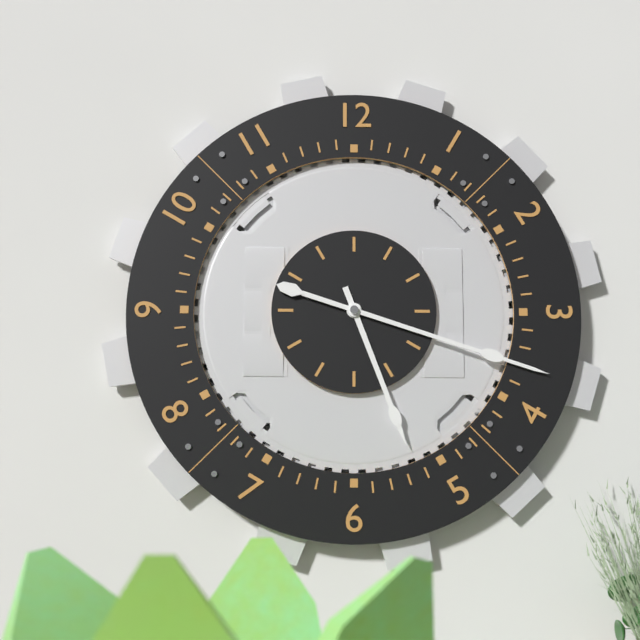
5:18
